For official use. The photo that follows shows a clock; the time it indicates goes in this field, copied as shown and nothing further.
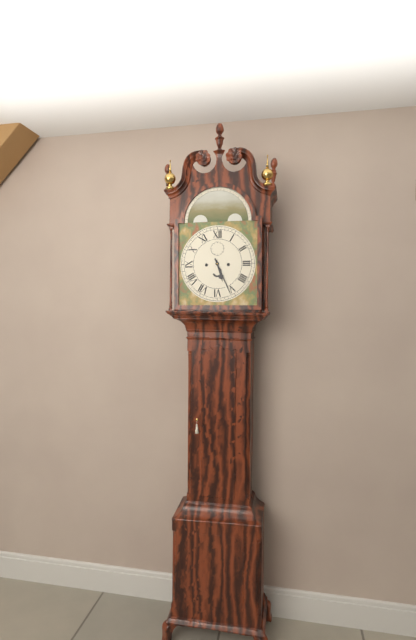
5:26
